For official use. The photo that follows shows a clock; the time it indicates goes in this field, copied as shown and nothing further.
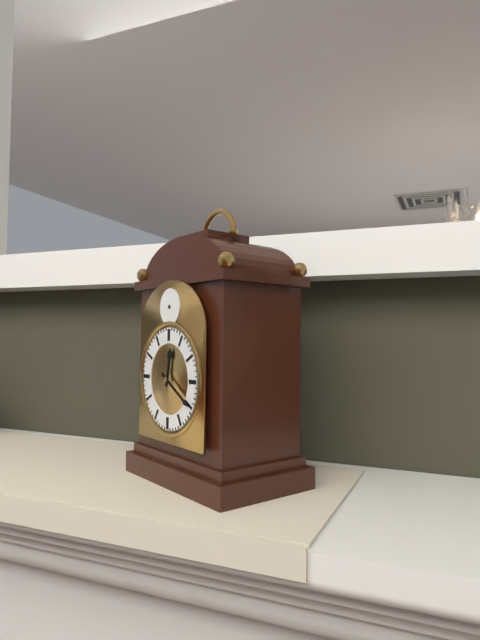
12:20
